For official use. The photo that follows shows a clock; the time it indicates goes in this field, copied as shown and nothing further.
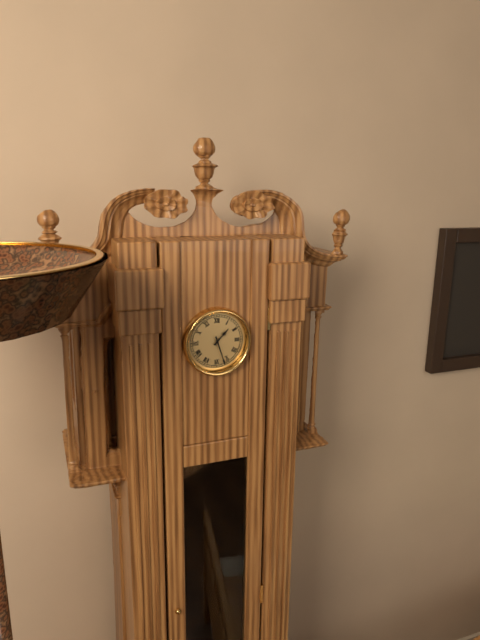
1:27
